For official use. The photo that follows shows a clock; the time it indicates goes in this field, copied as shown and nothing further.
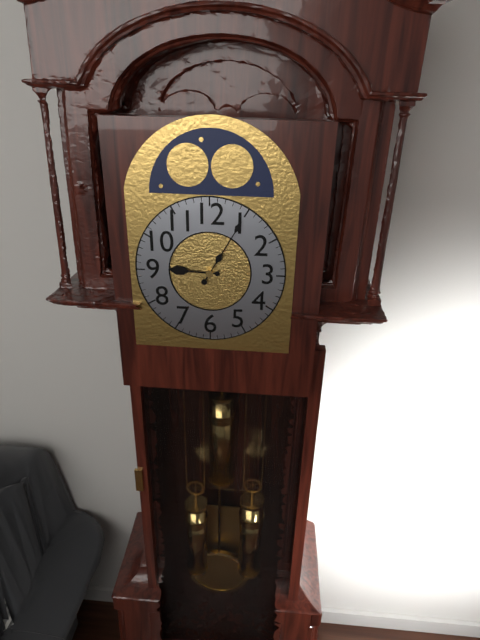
9:05
